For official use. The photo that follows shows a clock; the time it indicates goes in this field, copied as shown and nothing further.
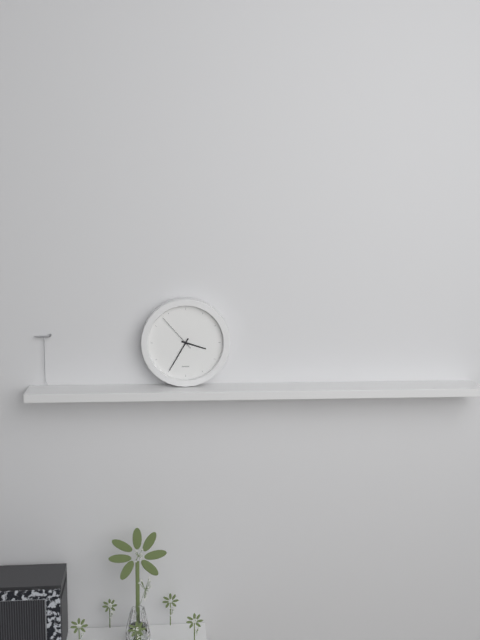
3:35
